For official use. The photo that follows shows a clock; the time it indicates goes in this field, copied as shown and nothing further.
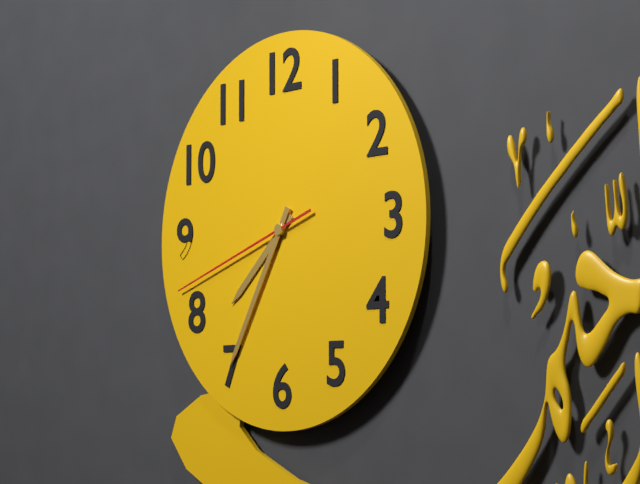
7:35:42
